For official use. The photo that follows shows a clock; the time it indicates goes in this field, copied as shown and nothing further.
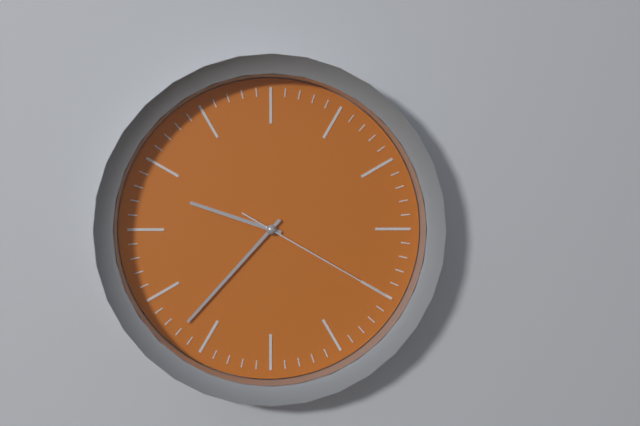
9:37:20
